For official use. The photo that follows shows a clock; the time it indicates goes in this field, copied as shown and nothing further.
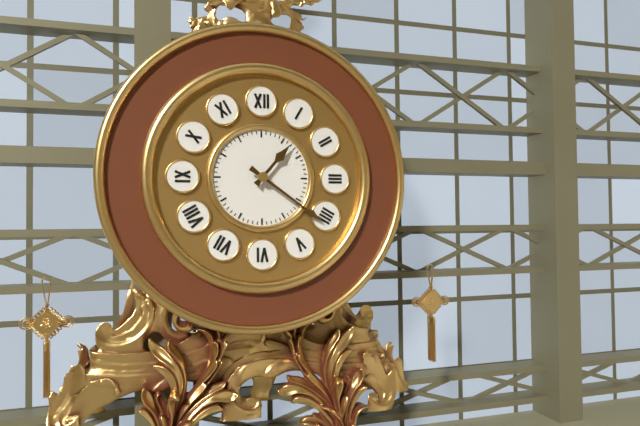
1:21
